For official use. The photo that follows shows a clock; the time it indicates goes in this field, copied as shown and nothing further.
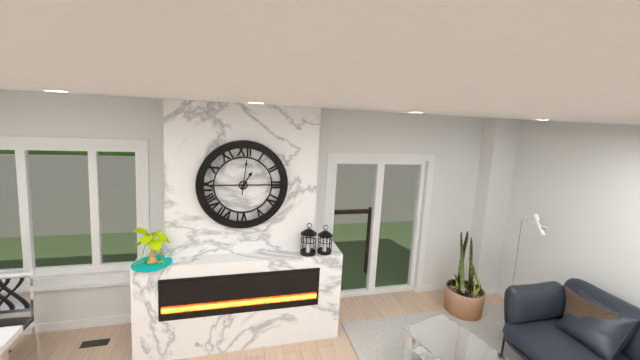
1:01
